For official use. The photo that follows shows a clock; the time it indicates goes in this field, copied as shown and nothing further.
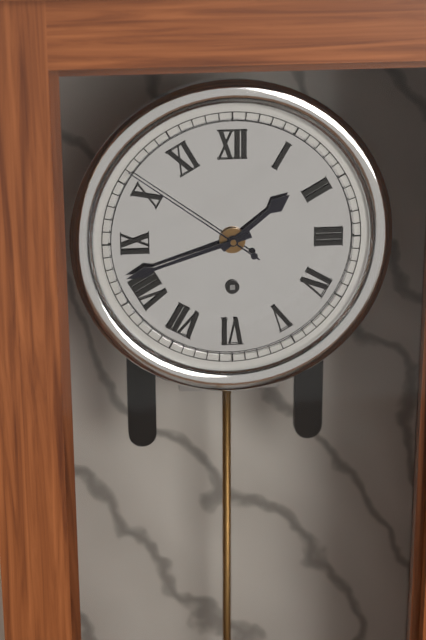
1:42:51
